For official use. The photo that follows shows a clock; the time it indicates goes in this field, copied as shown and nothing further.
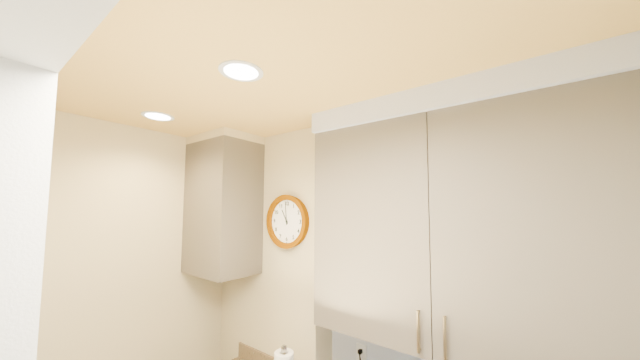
10:59
